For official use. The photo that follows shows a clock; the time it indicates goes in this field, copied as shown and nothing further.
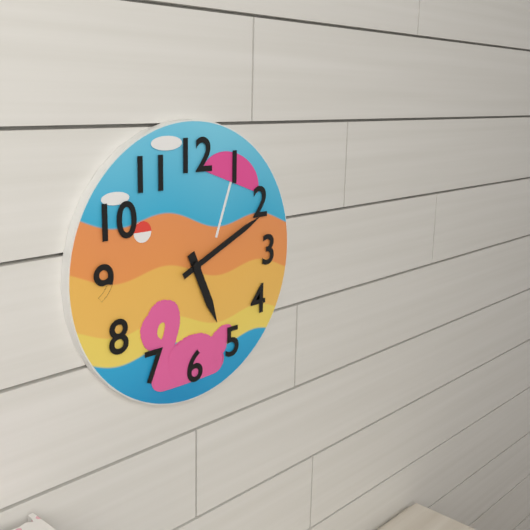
5:11
